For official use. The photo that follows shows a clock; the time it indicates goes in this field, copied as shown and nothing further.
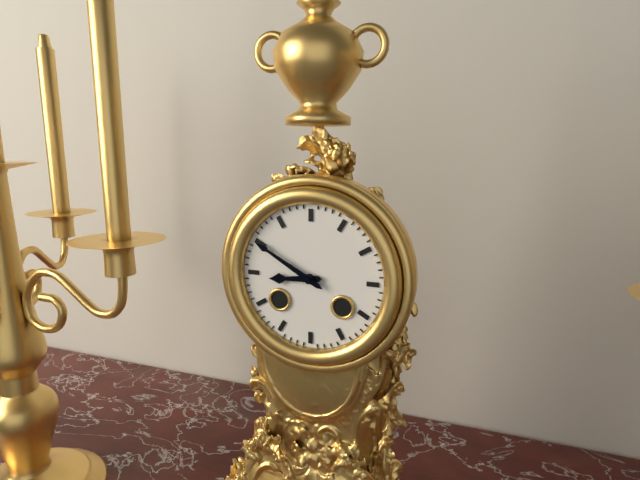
8:50
